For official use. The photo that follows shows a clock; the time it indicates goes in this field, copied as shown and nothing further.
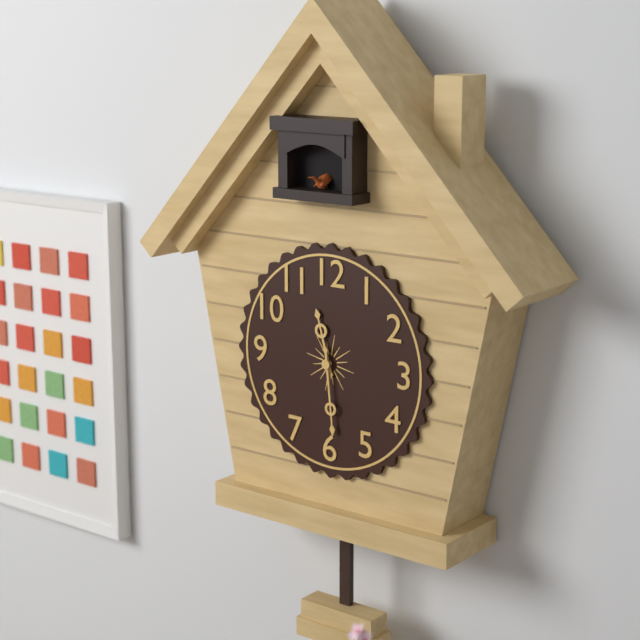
11:29
